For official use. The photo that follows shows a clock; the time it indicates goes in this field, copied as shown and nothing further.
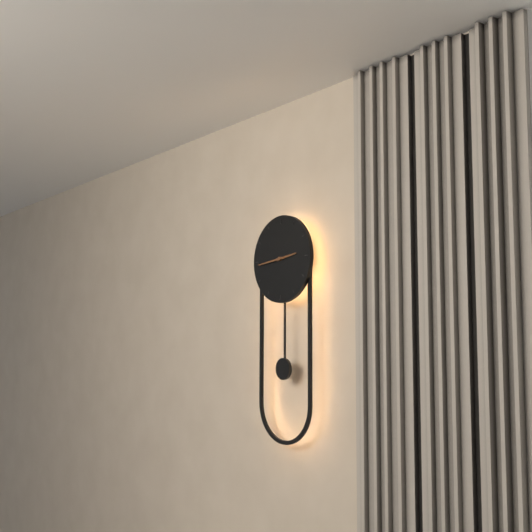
2:44
